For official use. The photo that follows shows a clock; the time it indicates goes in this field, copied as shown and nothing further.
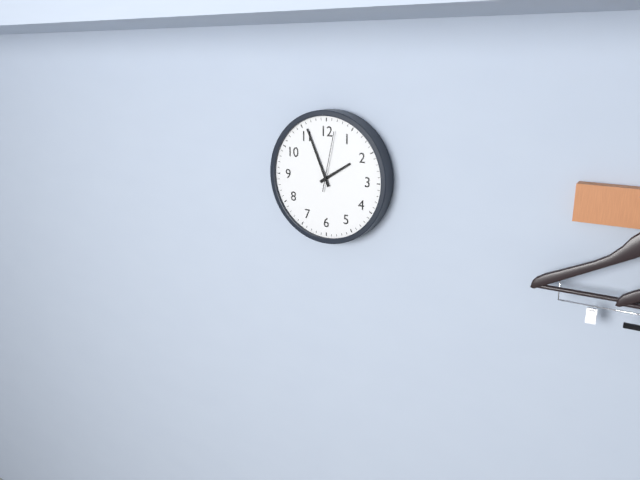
1:56:02
